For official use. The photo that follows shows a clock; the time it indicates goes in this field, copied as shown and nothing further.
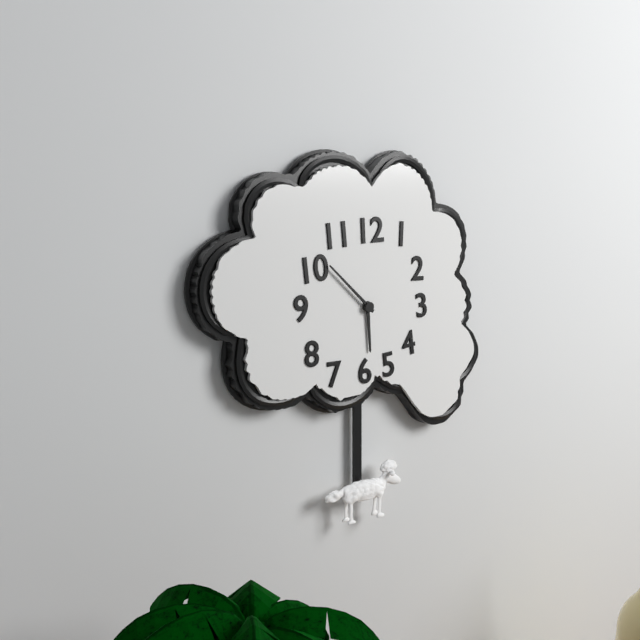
5:52
